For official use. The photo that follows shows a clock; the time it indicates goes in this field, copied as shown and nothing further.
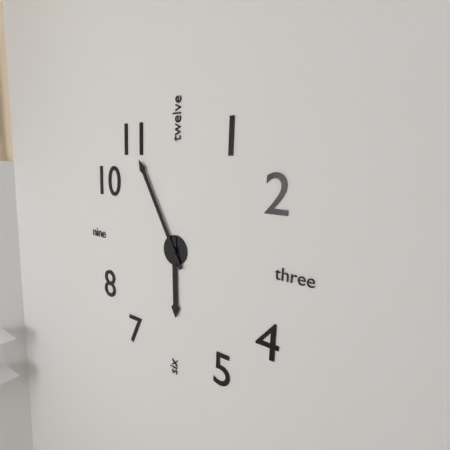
5:55
